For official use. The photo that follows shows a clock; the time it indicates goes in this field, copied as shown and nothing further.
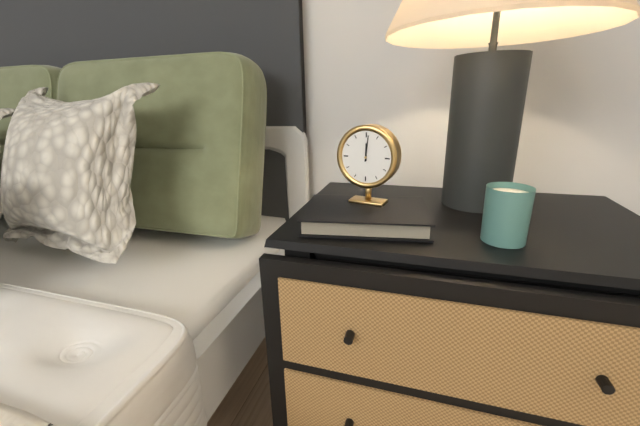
12:01
